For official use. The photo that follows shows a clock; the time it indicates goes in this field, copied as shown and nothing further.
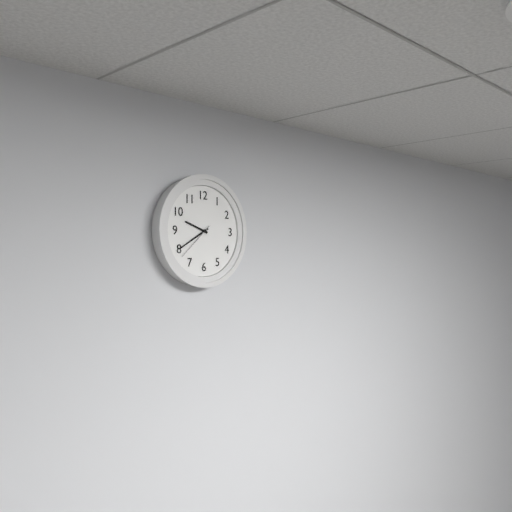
9:40
